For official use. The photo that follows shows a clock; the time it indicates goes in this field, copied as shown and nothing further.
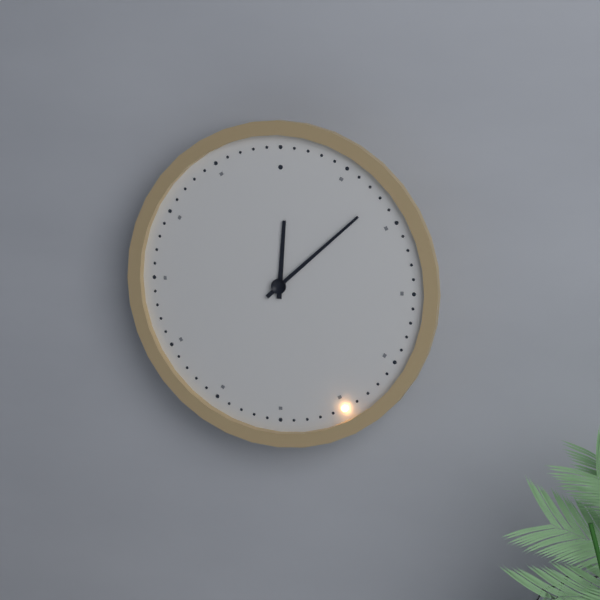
12:08
